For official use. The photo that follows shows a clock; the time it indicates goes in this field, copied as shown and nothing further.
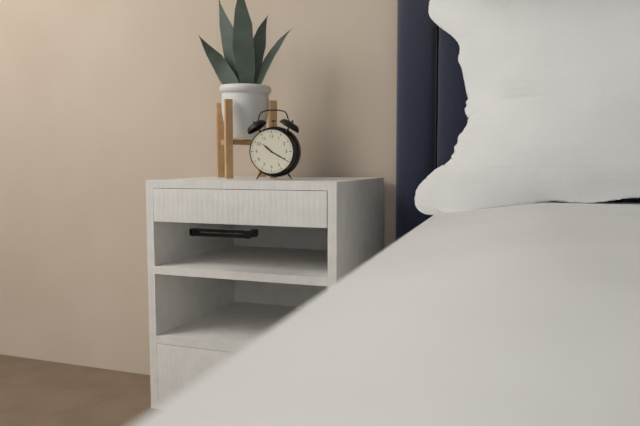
10:20
